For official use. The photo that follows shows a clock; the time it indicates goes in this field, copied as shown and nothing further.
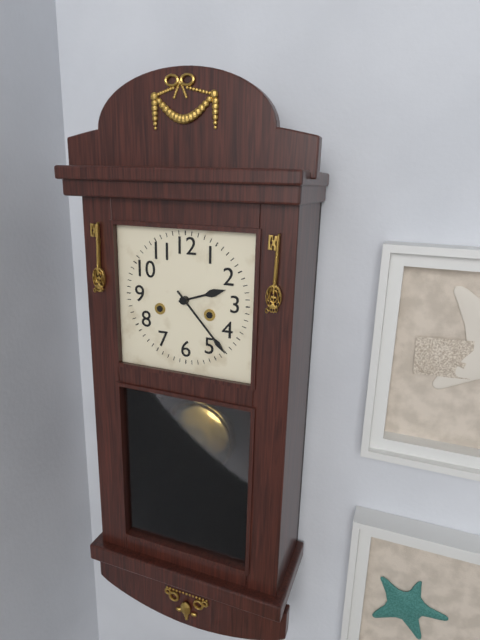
2:23
